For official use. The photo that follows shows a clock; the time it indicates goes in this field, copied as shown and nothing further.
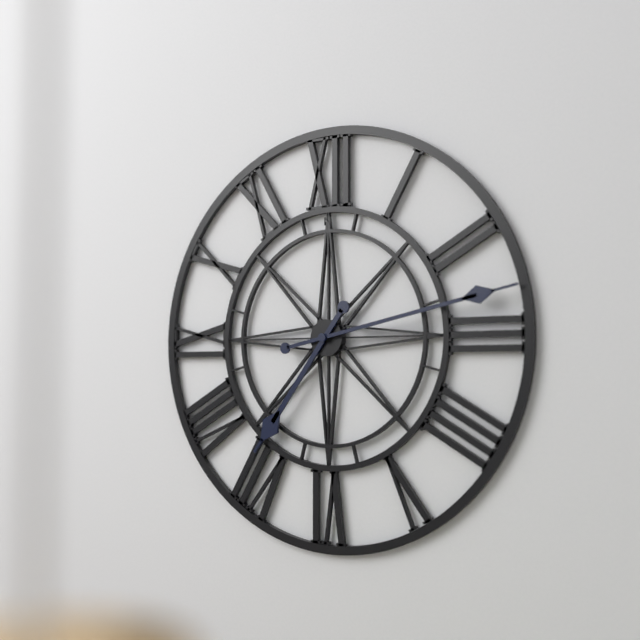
7:13
